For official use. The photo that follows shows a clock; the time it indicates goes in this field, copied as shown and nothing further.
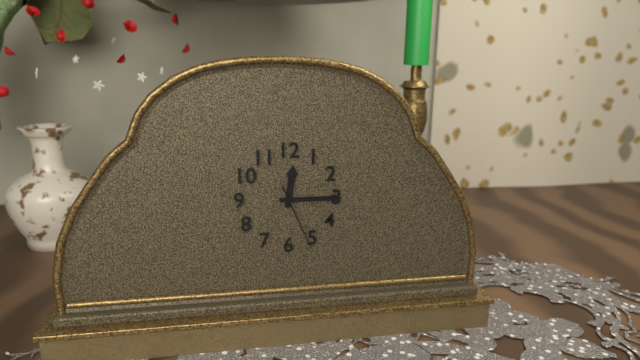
12:15:26
